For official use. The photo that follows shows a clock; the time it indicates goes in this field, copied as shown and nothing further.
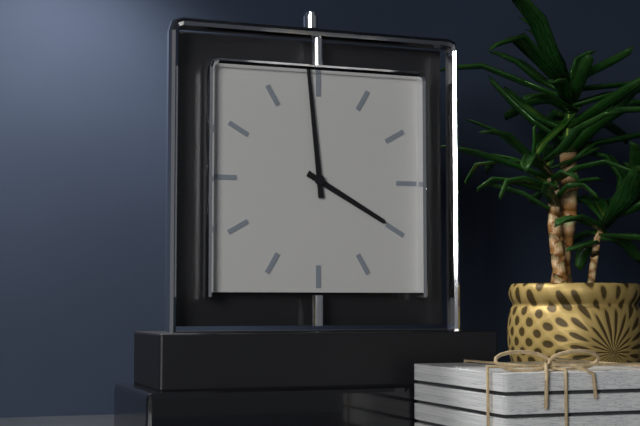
3:59
